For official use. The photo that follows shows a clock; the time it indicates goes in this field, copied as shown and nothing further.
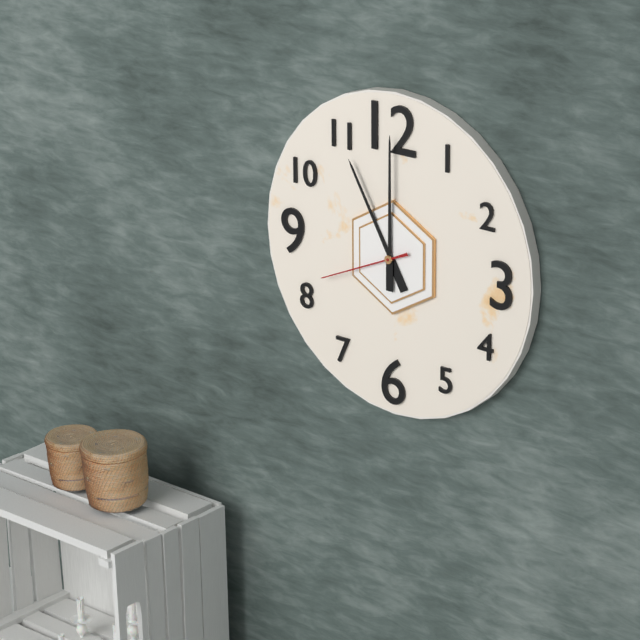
11:00:41
